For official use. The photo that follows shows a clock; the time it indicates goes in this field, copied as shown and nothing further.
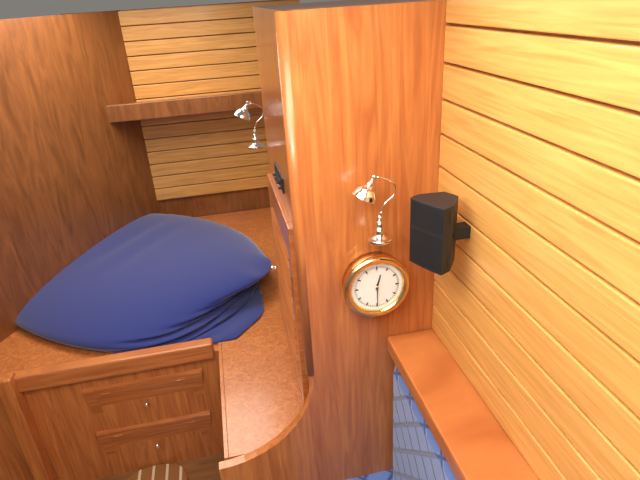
12:30
